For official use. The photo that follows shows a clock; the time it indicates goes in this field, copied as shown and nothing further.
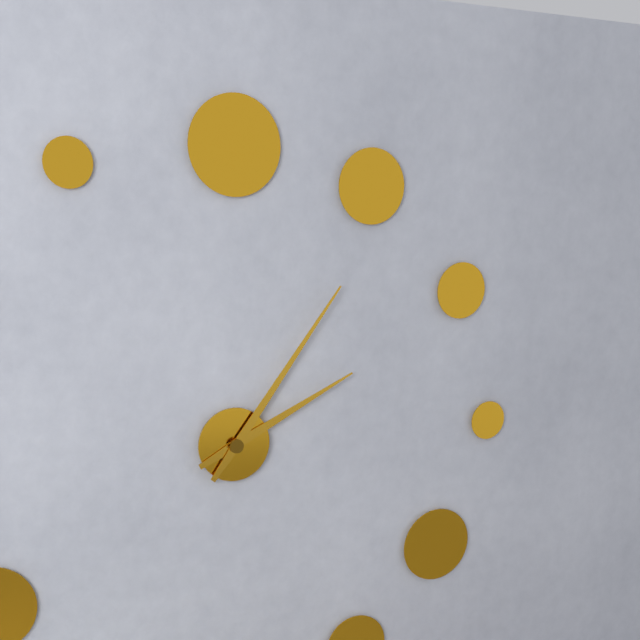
2:06
